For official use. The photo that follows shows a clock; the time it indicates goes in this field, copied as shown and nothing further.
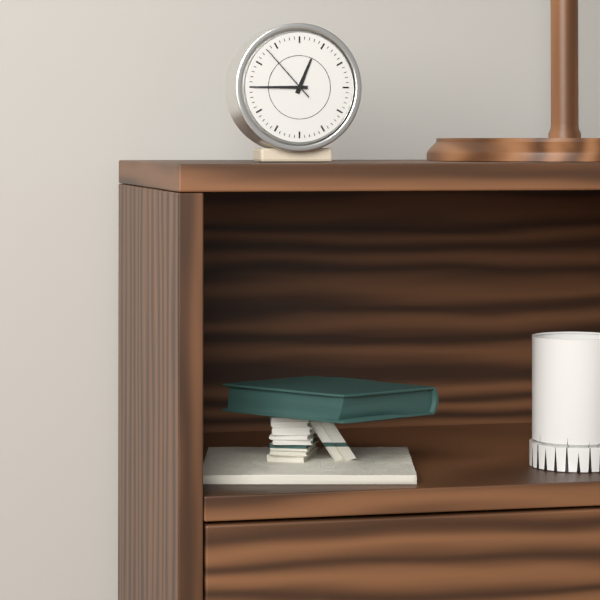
12:45:53
